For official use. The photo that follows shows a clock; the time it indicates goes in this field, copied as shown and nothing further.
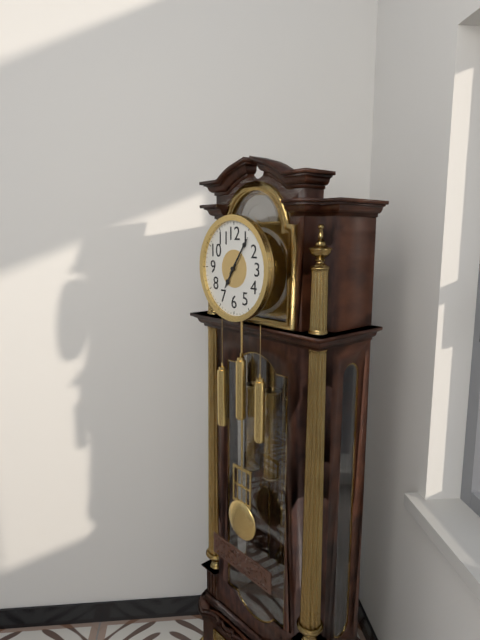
7:06
